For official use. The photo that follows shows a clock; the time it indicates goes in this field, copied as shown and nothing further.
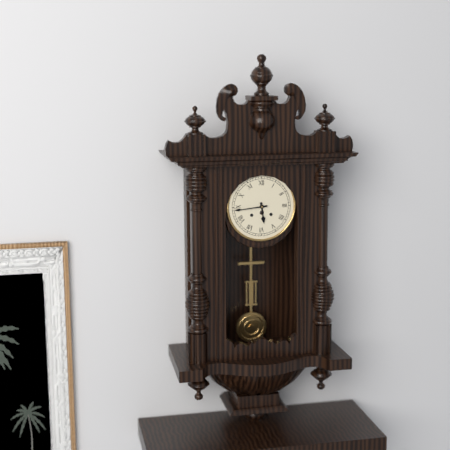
5:44
